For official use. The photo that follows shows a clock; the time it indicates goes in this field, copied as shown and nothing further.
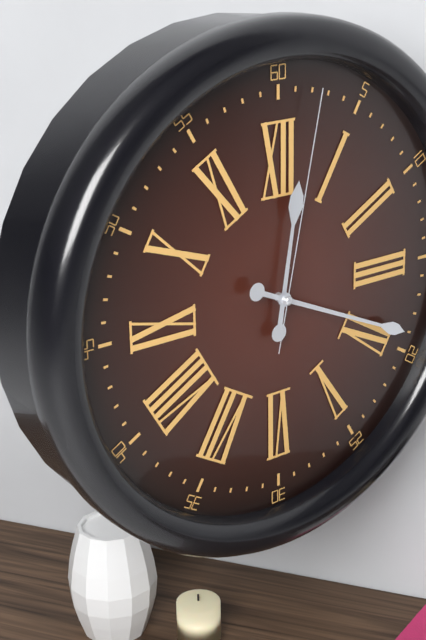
12:19:02
